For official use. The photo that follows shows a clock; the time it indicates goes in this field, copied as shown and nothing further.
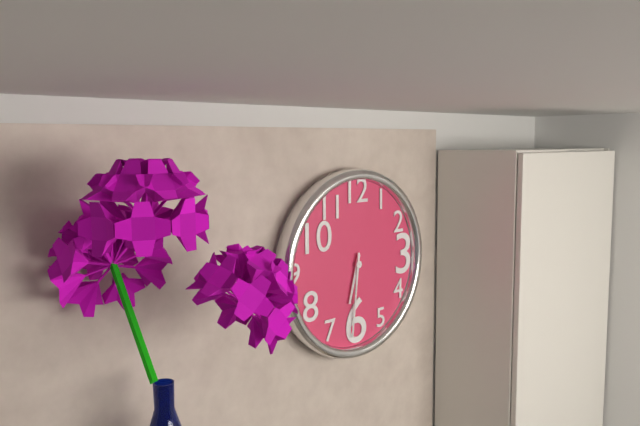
6:31
